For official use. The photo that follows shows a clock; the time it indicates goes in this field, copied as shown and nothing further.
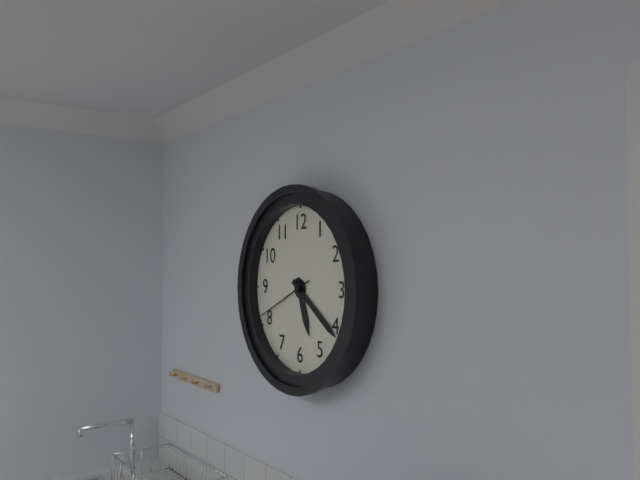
5:21:41
